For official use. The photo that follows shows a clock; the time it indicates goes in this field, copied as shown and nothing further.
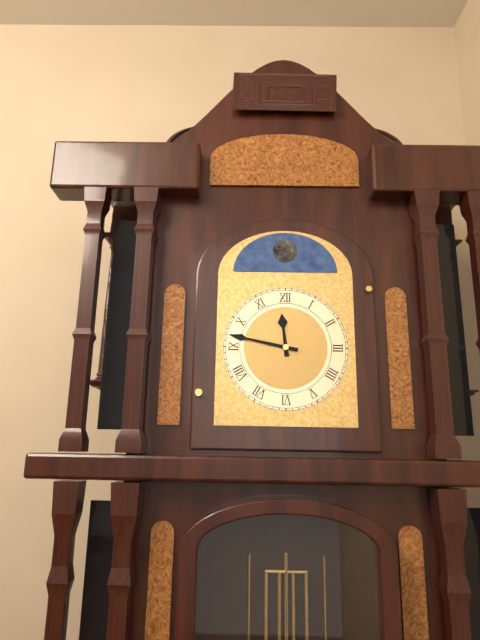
11:47
